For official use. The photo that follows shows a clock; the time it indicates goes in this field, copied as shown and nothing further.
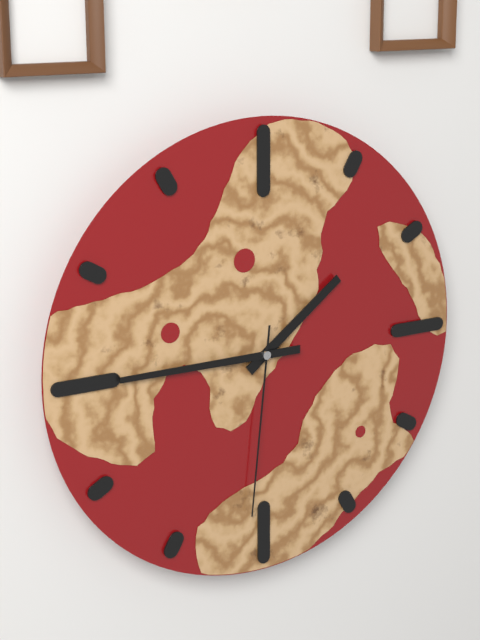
1:45:31
